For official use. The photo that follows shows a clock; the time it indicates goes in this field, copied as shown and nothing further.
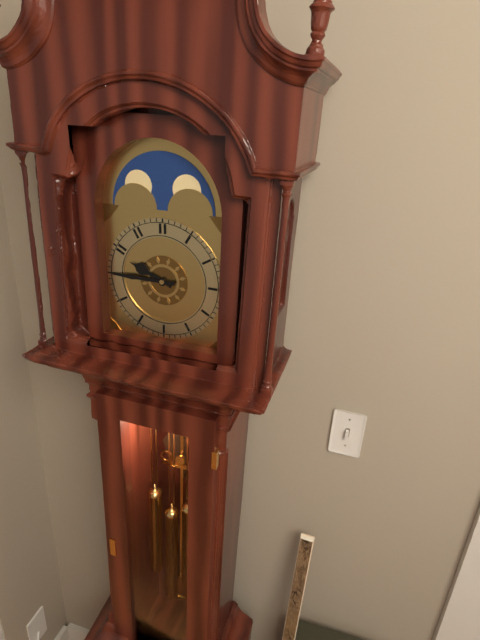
9:45
